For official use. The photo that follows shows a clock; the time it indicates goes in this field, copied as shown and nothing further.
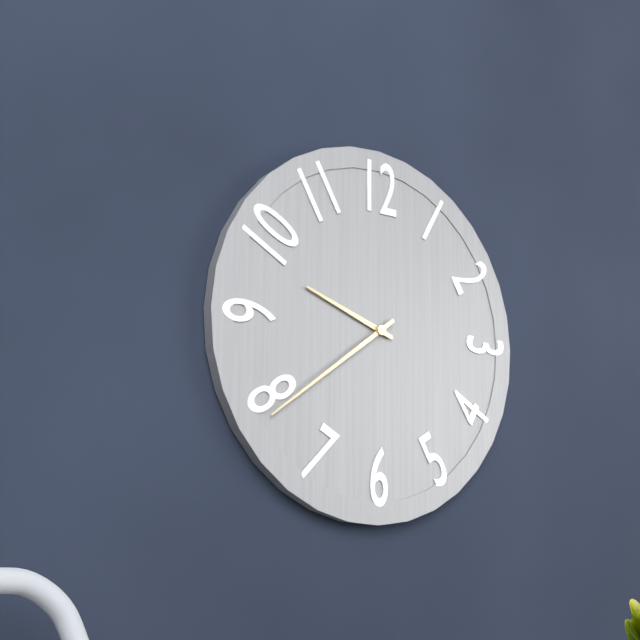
9:39
